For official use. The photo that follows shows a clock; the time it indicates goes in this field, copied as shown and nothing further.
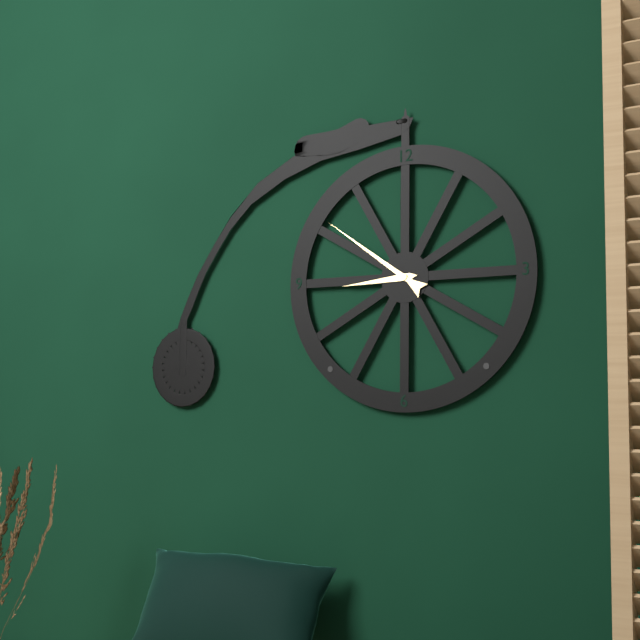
8:51
